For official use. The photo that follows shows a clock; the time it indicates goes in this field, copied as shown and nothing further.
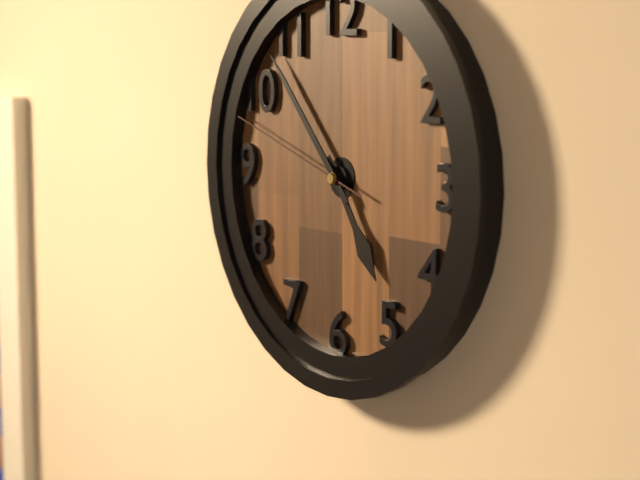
4:53:48
